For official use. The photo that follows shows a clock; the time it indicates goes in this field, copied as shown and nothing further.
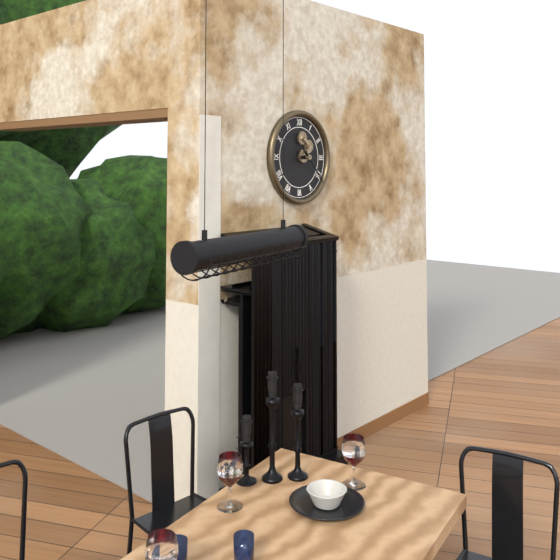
10:23
